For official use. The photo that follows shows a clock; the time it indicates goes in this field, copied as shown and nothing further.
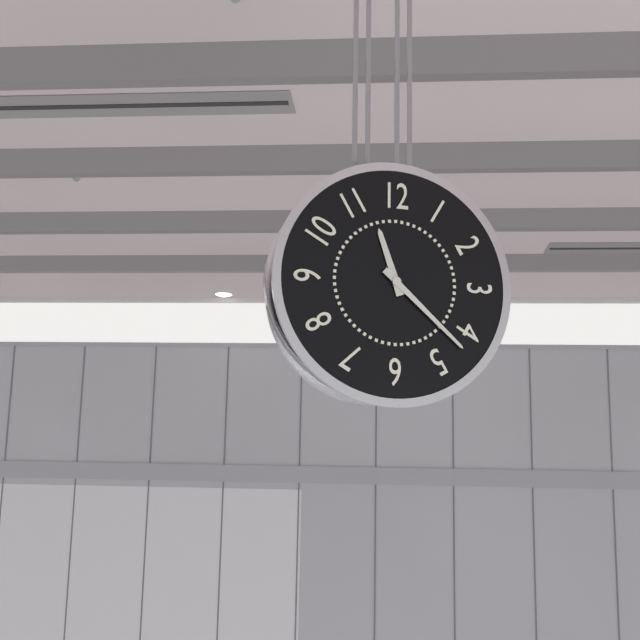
11:22
